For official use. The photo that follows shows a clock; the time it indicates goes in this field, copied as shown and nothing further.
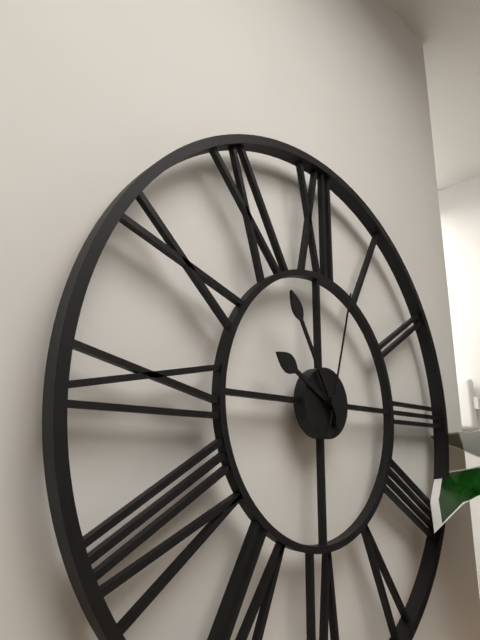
9:55:03
